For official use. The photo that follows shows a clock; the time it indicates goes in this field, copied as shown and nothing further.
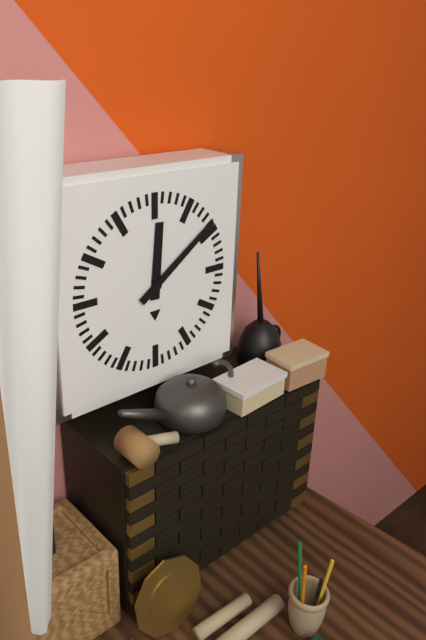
12:09
